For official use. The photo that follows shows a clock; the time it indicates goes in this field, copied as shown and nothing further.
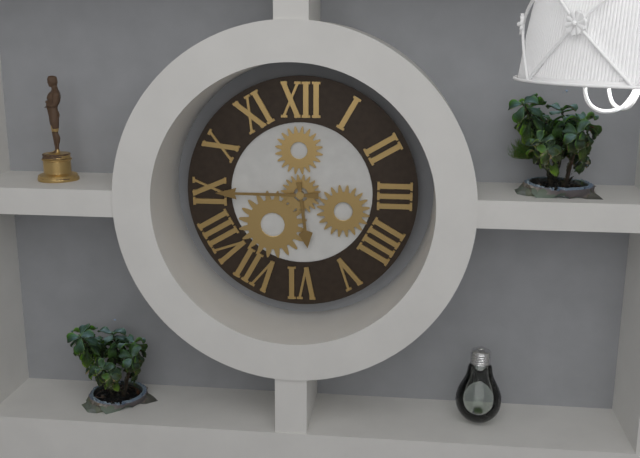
5:45
